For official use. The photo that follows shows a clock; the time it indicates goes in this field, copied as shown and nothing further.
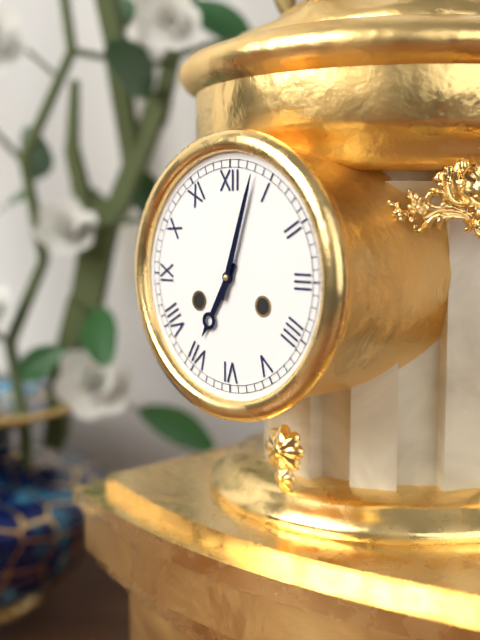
7:03
